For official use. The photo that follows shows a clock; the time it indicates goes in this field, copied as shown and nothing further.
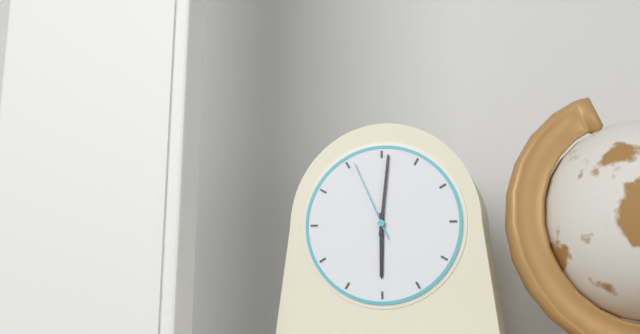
6:01:56
